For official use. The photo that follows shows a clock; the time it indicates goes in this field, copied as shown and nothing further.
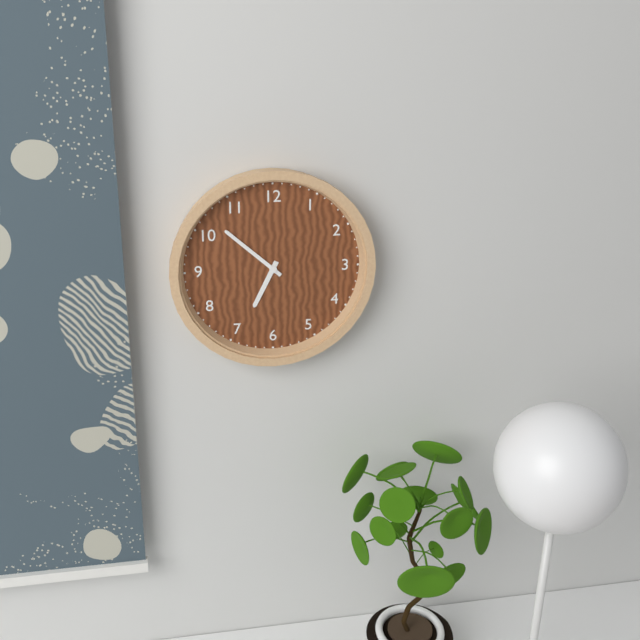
6:52
